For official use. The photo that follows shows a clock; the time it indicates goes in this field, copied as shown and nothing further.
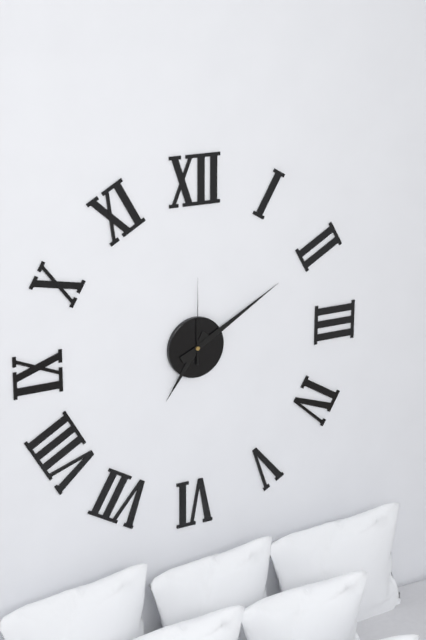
7:10:00
